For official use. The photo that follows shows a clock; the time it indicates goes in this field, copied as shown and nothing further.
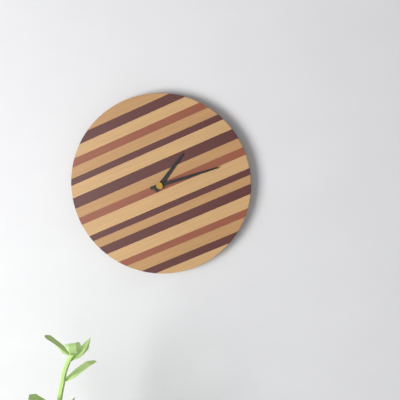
1:12
